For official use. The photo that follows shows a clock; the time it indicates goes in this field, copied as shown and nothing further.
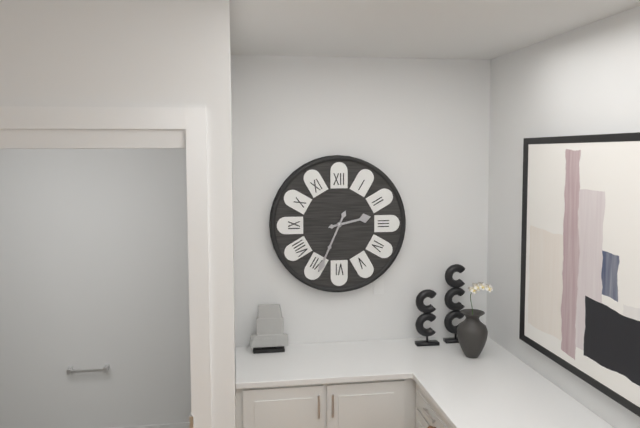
2:34
